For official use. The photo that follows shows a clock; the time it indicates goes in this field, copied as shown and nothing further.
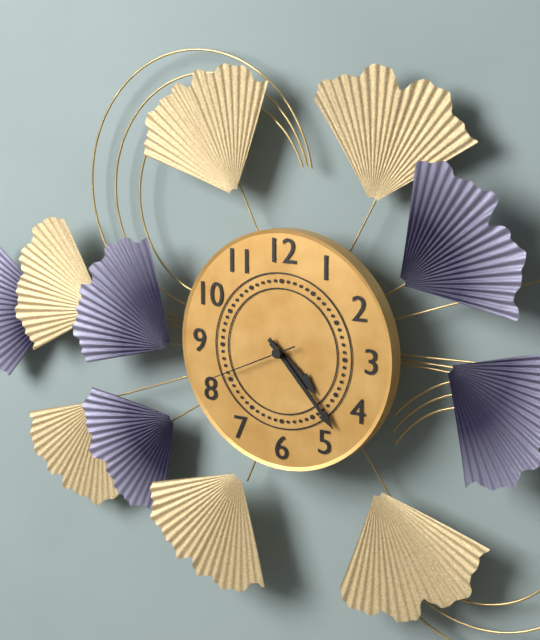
4:23:41
